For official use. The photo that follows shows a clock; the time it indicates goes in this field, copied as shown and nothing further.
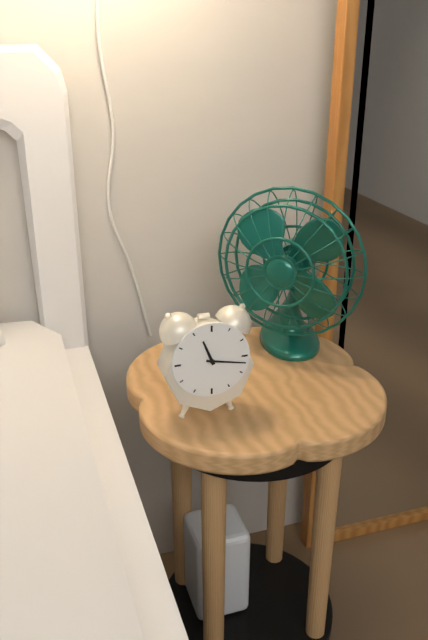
11:17
